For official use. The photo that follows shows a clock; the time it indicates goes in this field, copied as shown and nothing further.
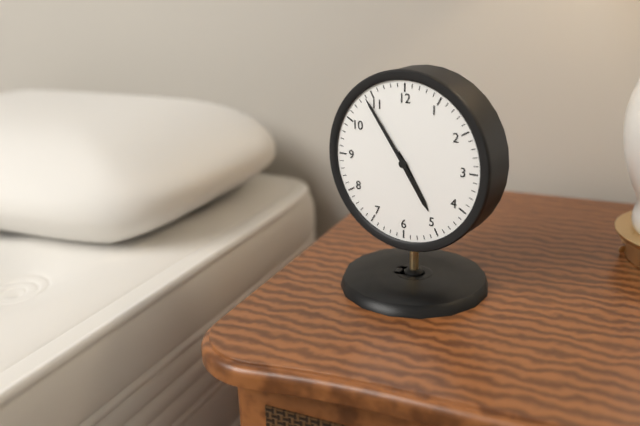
4:54
